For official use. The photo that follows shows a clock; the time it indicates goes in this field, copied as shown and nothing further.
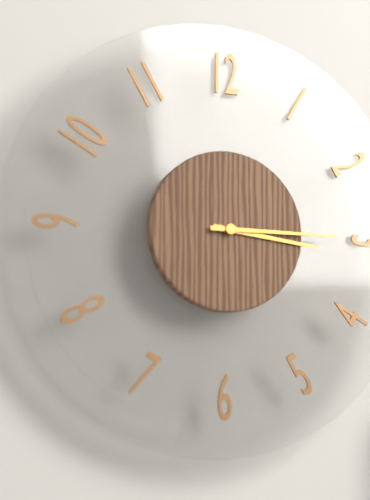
3:15
